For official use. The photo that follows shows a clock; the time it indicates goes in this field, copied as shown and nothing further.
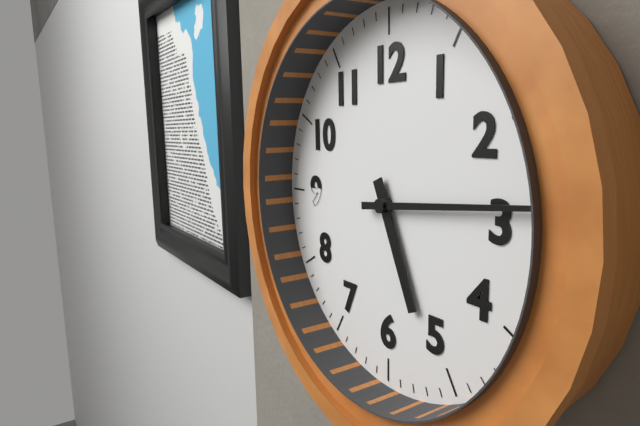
5:14
